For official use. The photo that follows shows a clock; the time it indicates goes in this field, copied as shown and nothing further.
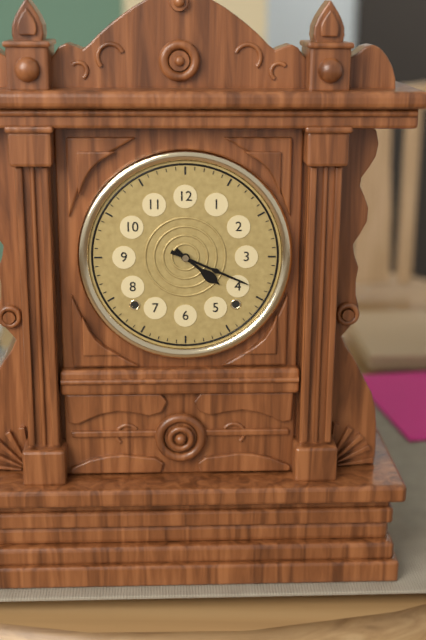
4:19
